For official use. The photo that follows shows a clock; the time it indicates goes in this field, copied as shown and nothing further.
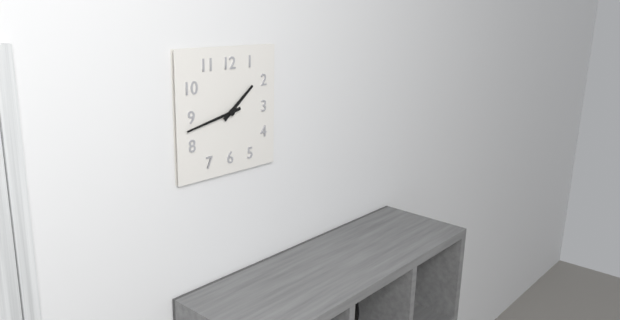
1:43
